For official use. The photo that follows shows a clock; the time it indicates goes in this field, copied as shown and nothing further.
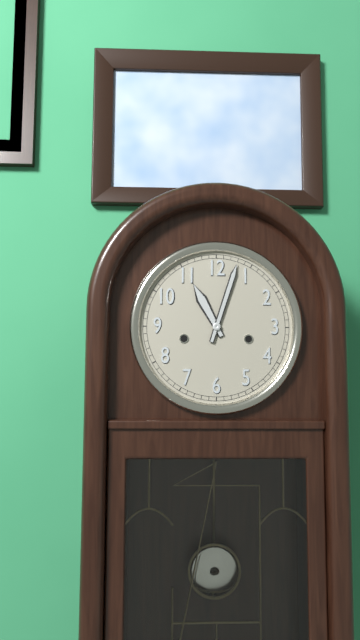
11:03
